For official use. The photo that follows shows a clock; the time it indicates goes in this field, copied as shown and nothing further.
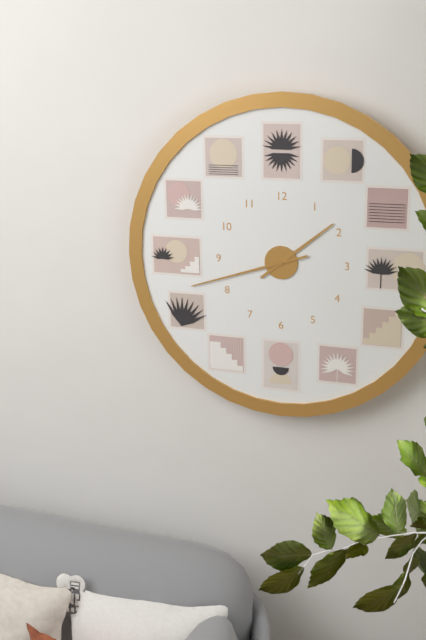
1:42
